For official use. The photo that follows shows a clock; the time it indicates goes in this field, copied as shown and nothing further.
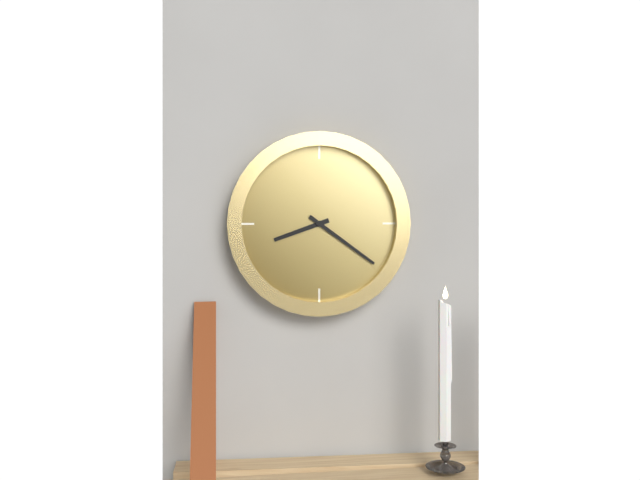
8:21
